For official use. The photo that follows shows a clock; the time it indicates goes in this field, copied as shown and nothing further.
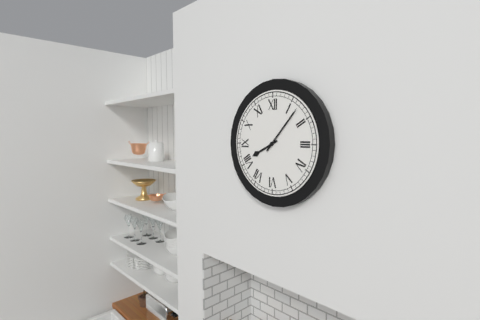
8:07
